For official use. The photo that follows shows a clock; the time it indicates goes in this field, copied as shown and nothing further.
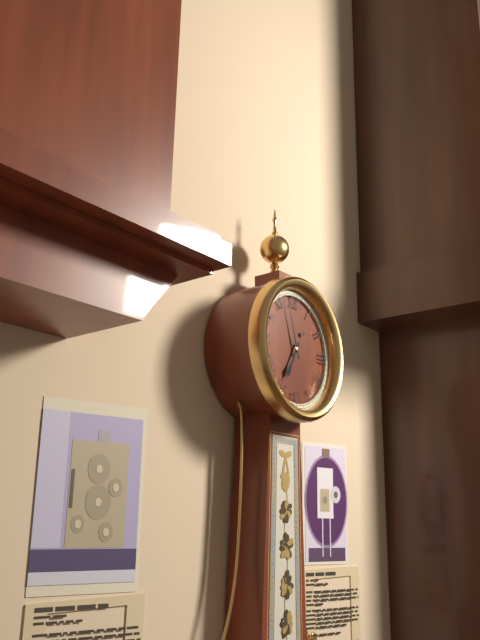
6:57
